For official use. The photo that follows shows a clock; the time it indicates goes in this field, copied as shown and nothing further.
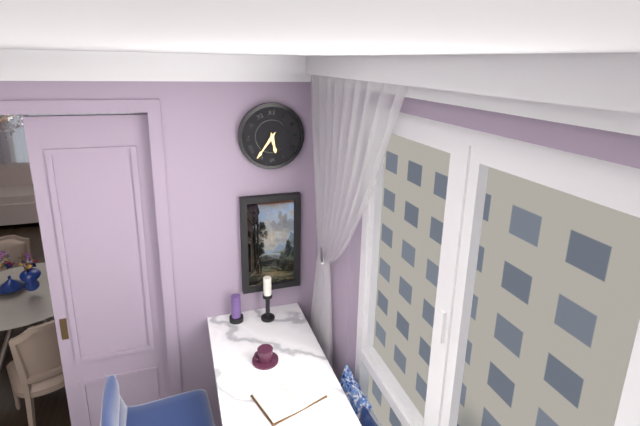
5:36
